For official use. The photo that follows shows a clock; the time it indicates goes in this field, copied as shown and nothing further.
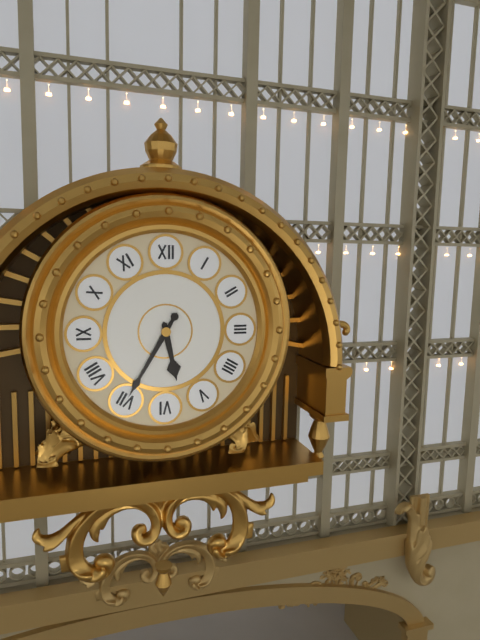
5:35
